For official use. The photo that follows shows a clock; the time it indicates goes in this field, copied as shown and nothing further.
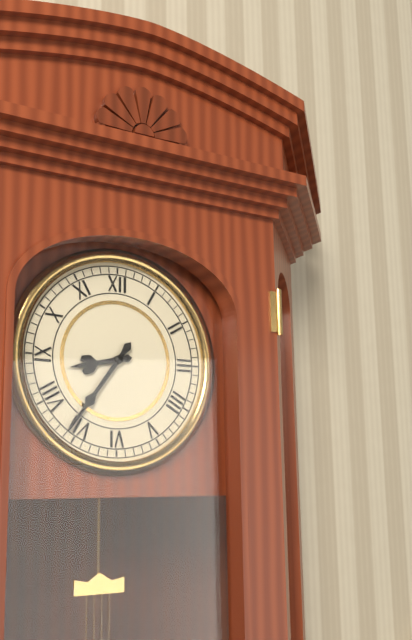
8:36
